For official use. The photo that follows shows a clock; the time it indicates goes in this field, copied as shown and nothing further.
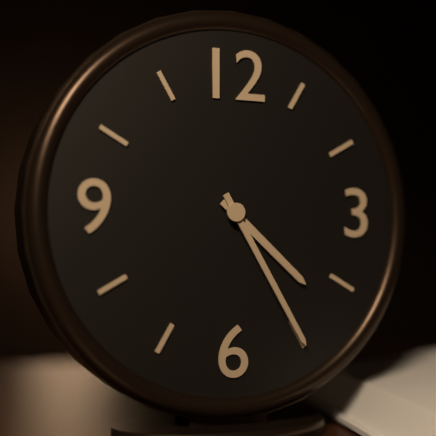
4:25
